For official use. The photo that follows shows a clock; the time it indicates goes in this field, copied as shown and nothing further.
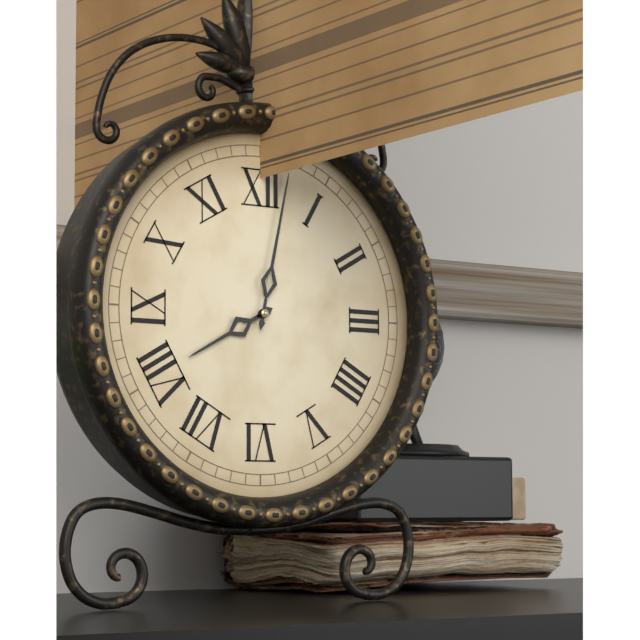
8:02
